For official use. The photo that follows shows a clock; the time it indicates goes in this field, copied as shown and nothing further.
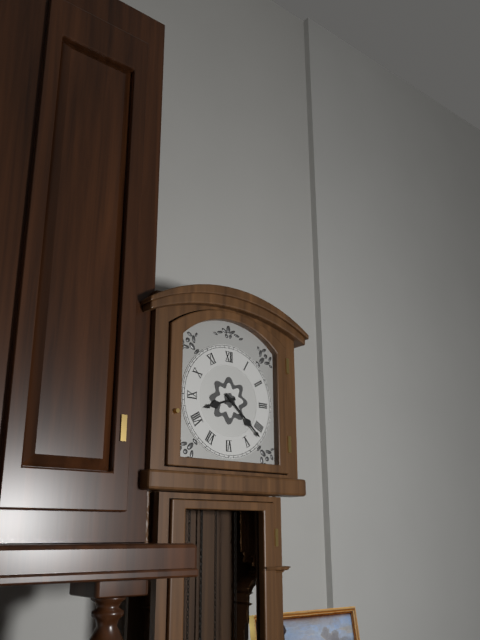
8:22
